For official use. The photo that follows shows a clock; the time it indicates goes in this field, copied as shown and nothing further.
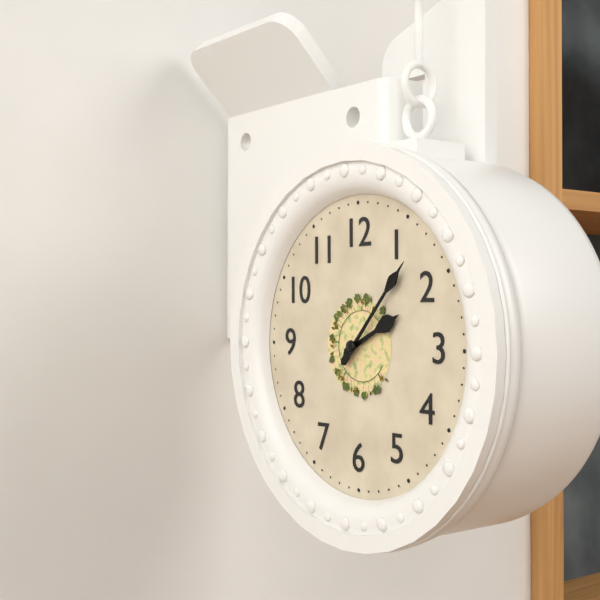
2:07
